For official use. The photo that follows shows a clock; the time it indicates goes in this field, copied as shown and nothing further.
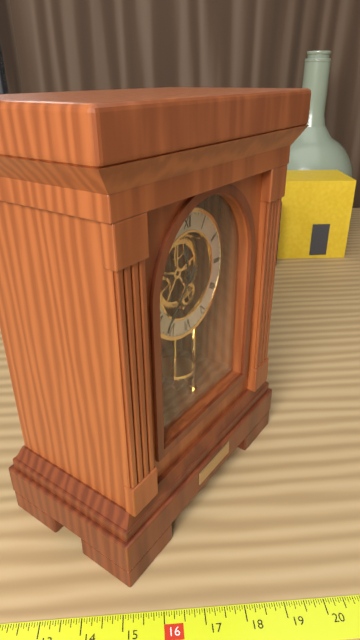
11:37
